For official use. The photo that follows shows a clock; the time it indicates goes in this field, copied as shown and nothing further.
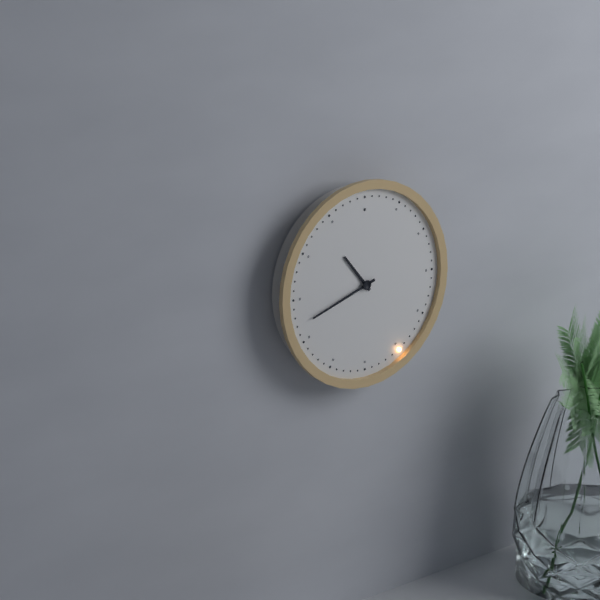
10:42
